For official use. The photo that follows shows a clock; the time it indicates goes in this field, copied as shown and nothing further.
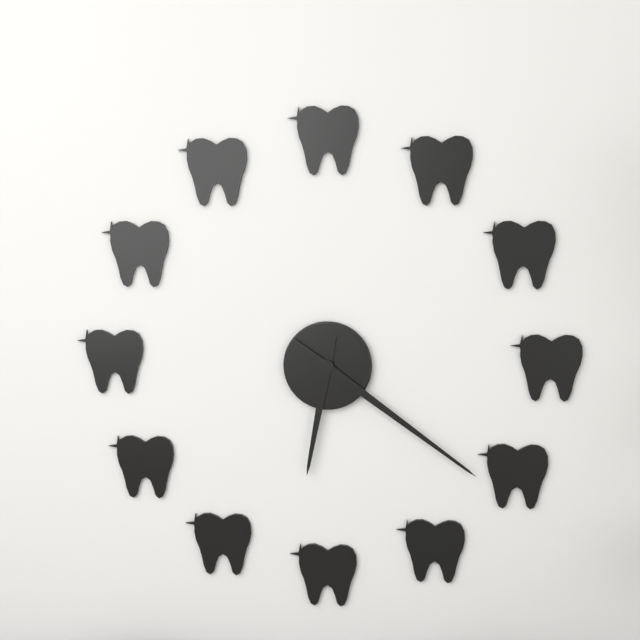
6:21
